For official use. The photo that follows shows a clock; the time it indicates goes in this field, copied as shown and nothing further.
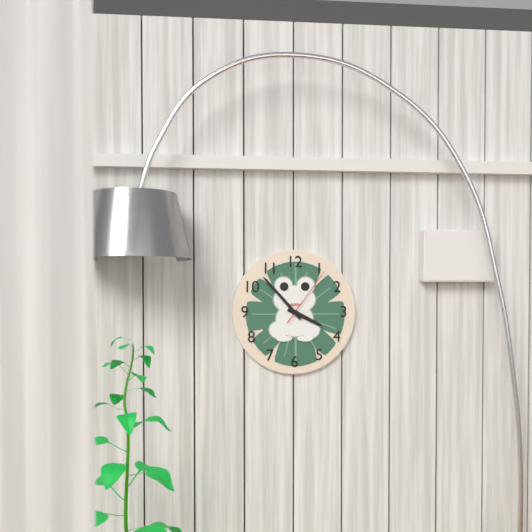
3:53:06
